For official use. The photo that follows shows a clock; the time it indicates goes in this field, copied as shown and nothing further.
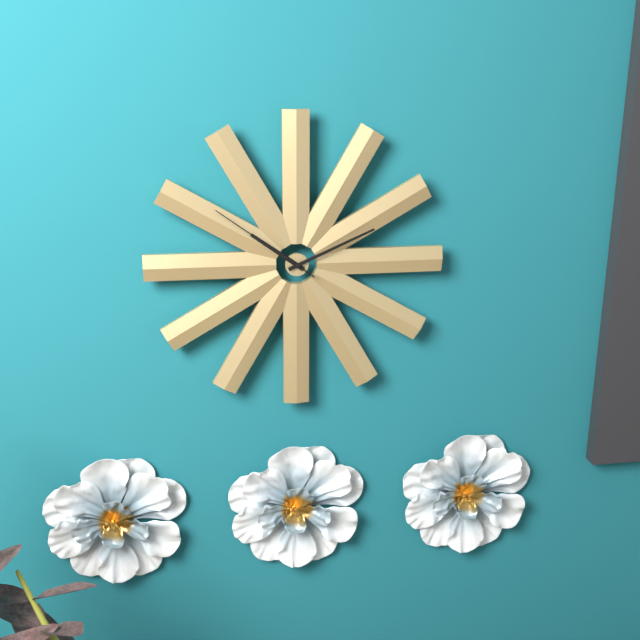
10:11:51
